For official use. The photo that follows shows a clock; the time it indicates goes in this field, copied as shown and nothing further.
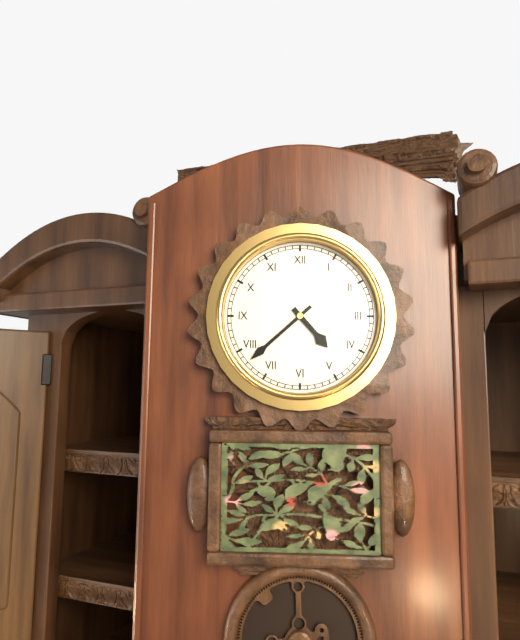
4:38
